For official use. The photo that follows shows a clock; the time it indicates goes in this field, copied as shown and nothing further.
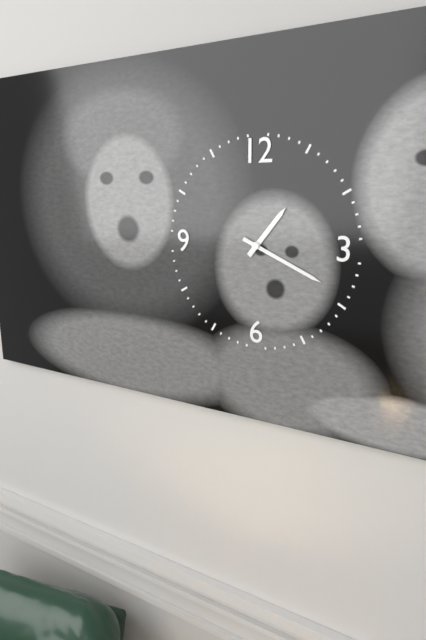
1:19
